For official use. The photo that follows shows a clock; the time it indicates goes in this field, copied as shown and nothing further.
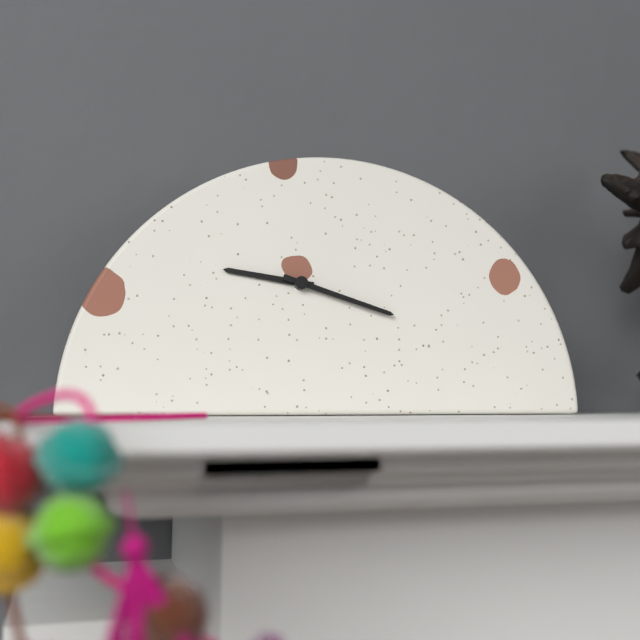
9:18
